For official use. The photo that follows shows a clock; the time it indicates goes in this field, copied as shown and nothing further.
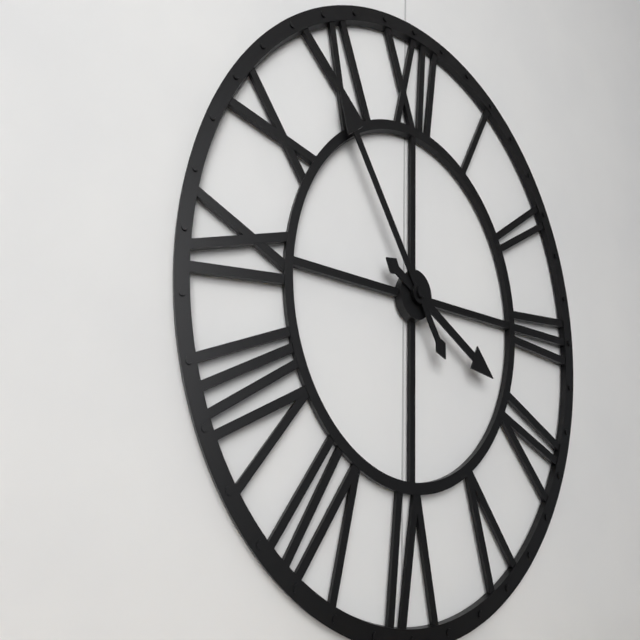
3:54
